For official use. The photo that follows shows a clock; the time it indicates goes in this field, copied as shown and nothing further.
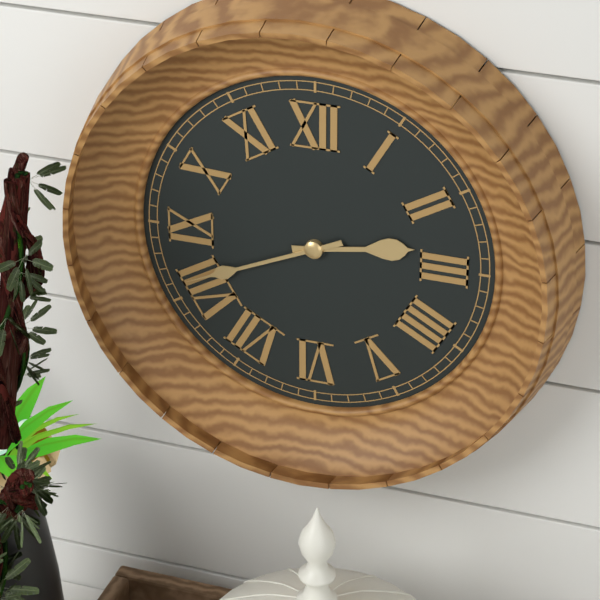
2:41
